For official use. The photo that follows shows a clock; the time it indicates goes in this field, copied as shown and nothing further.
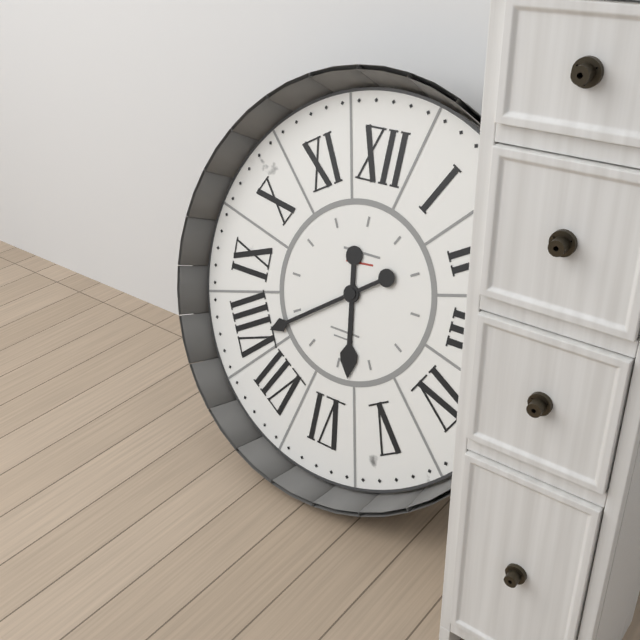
5:39
